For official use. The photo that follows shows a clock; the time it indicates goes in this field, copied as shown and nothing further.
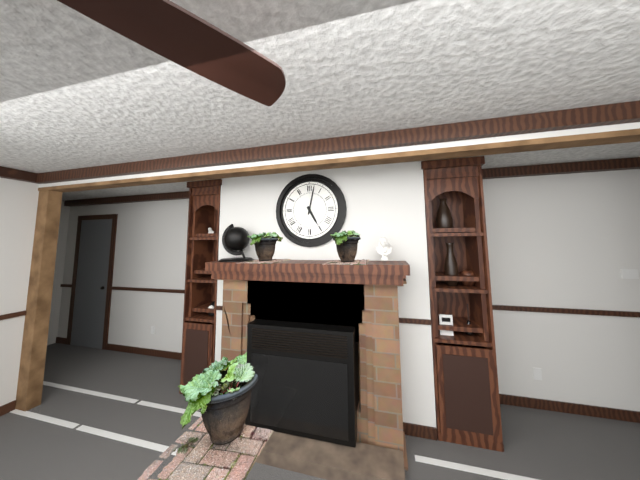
5:02
